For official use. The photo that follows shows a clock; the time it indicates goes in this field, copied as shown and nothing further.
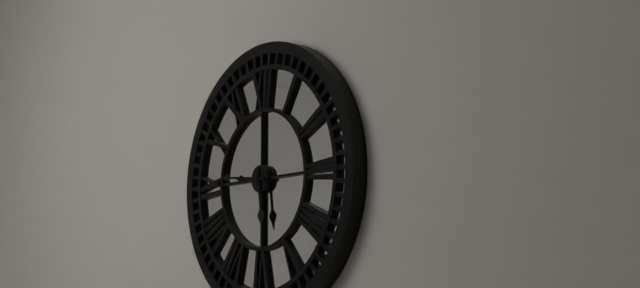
5:46
